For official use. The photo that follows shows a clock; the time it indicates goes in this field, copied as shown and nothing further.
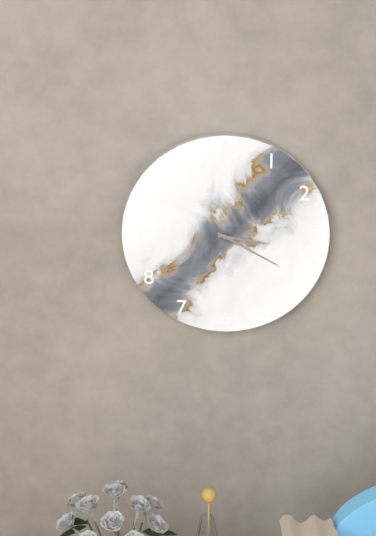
3:20
